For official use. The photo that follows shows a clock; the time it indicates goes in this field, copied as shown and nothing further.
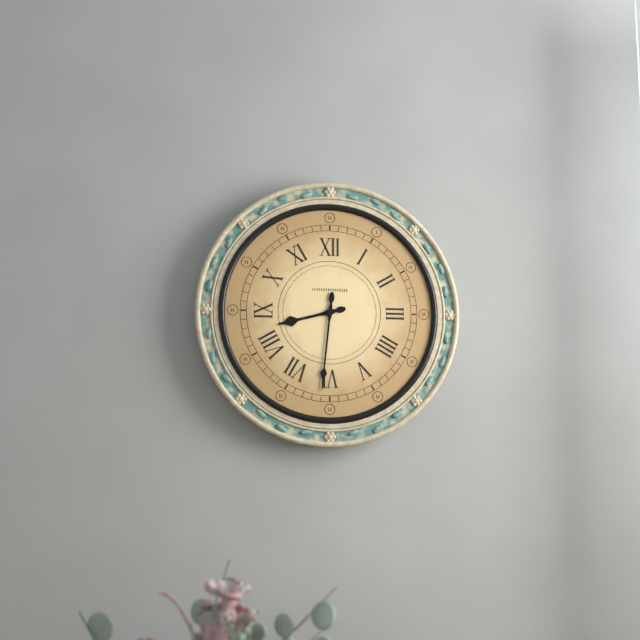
8:31
